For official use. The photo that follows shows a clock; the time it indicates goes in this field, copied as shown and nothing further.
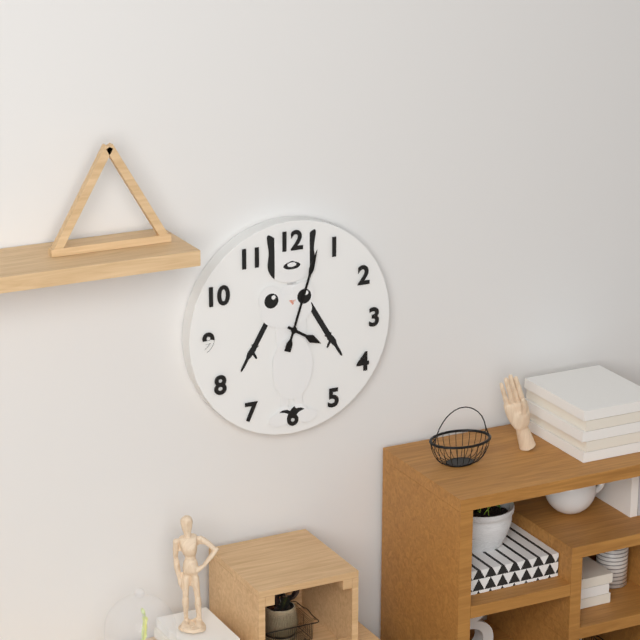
4:03
